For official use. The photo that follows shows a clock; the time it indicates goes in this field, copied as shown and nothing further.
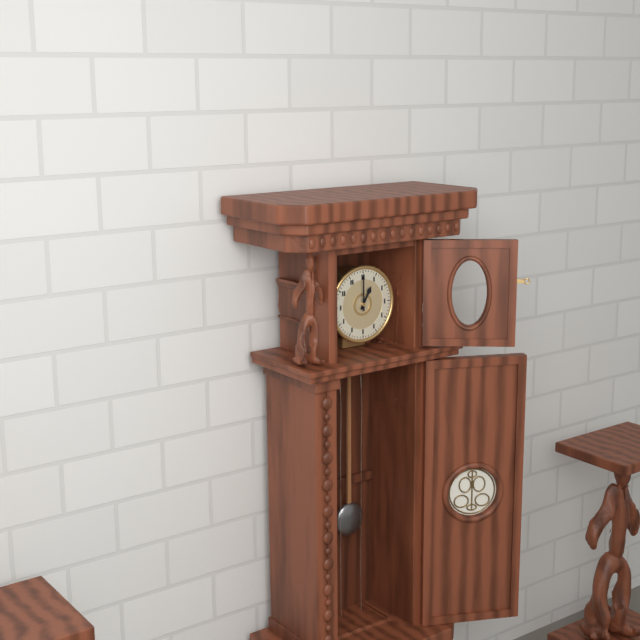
1:00
